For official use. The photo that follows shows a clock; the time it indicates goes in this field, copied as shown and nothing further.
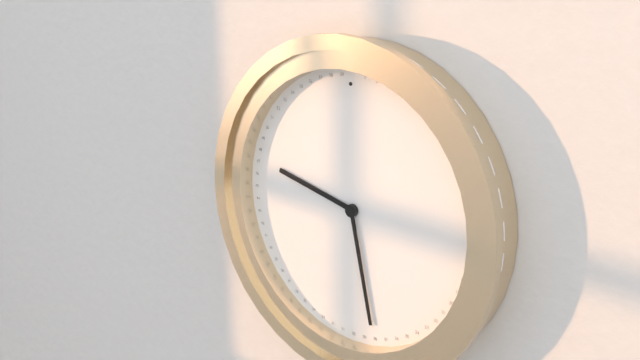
9:28
